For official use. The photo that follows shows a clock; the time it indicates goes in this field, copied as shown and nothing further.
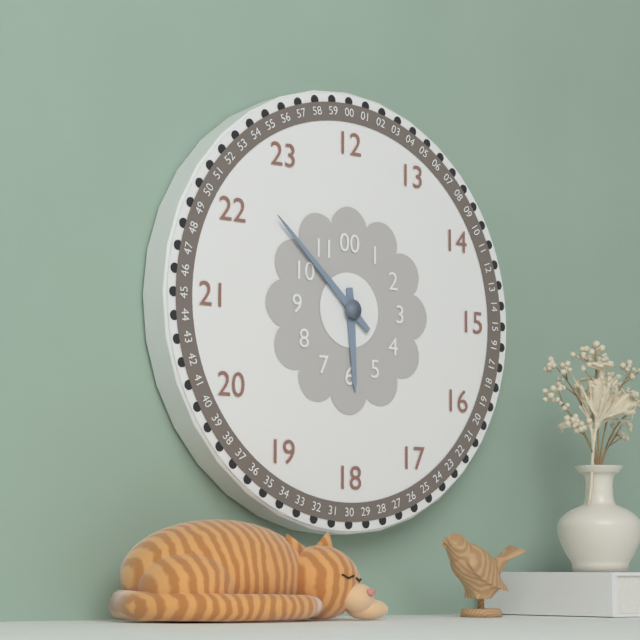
5:52
